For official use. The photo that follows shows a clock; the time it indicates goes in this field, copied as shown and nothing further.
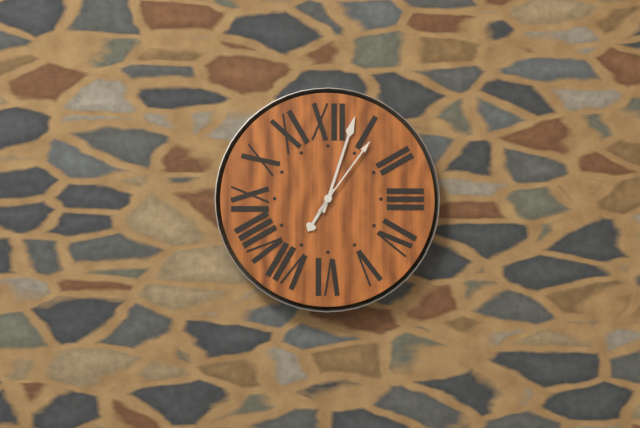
7:03:06
